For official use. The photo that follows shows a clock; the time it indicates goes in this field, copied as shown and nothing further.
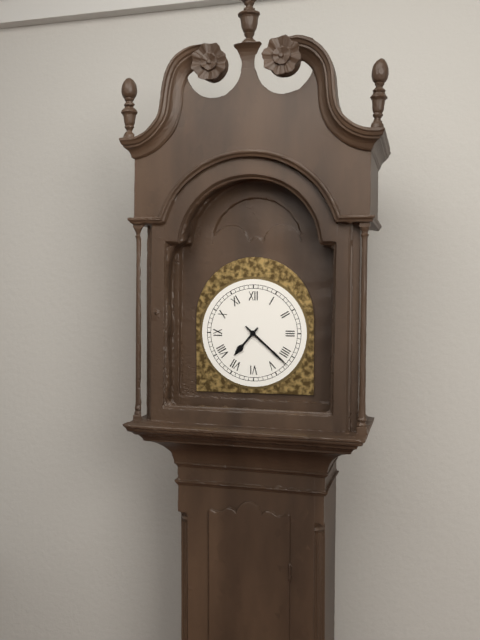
7:22
